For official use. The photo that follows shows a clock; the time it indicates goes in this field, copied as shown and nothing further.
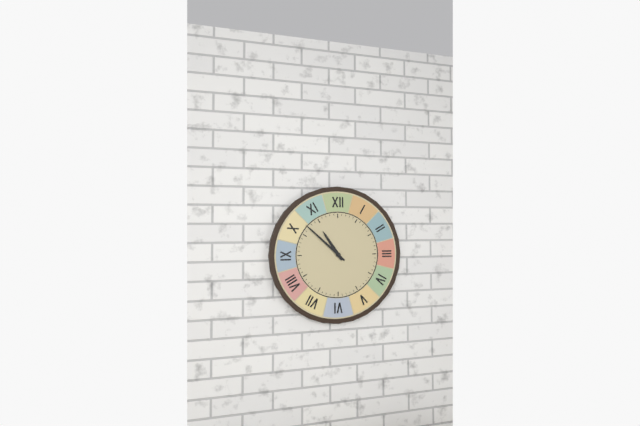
10:52
